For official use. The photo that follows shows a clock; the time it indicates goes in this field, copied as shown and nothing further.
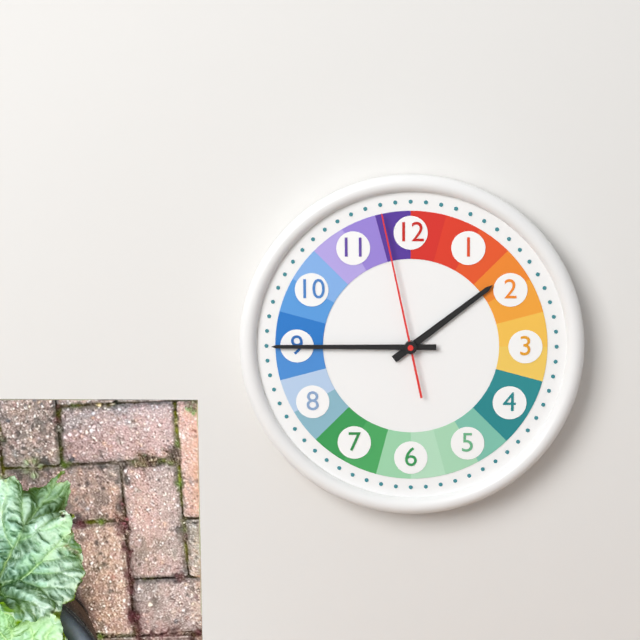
1:45:58
